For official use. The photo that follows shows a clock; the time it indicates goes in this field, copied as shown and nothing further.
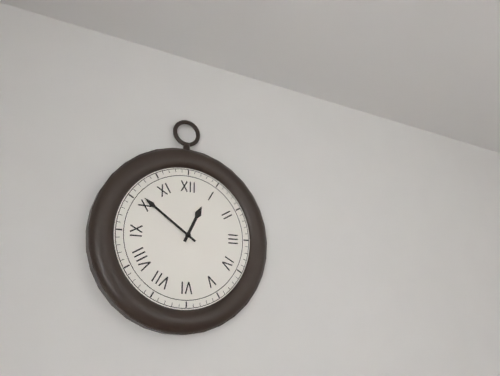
12:51
